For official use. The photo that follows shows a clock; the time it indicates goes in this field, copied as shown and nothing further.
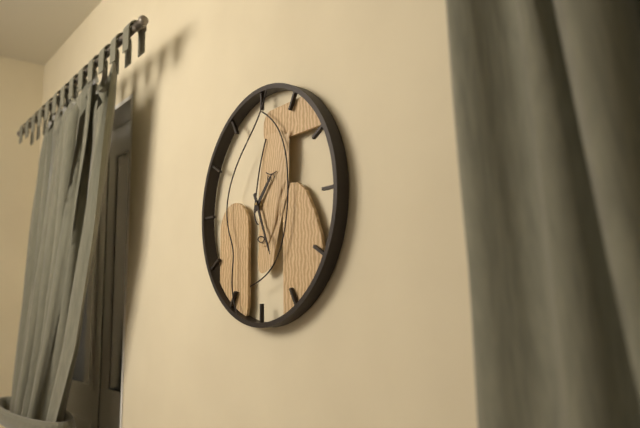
1:26
